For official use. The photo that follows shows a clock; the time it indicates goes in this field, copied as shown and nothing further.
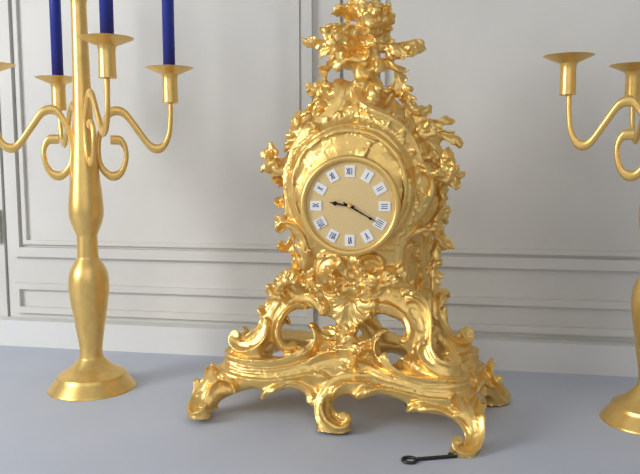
9:20
